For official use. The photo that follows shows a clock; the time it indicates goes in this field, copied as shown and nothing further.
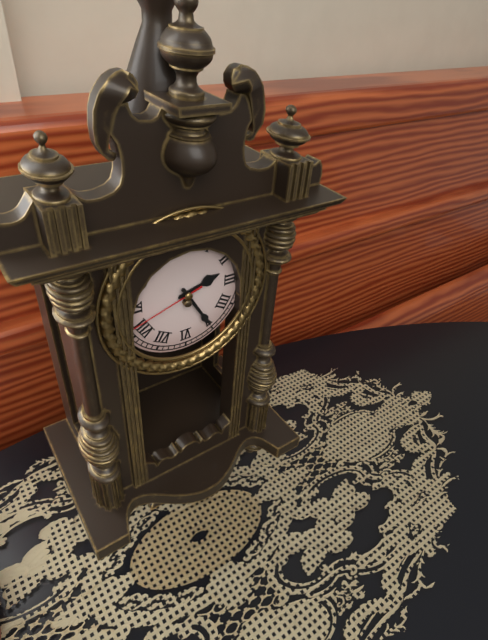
2:25:42
